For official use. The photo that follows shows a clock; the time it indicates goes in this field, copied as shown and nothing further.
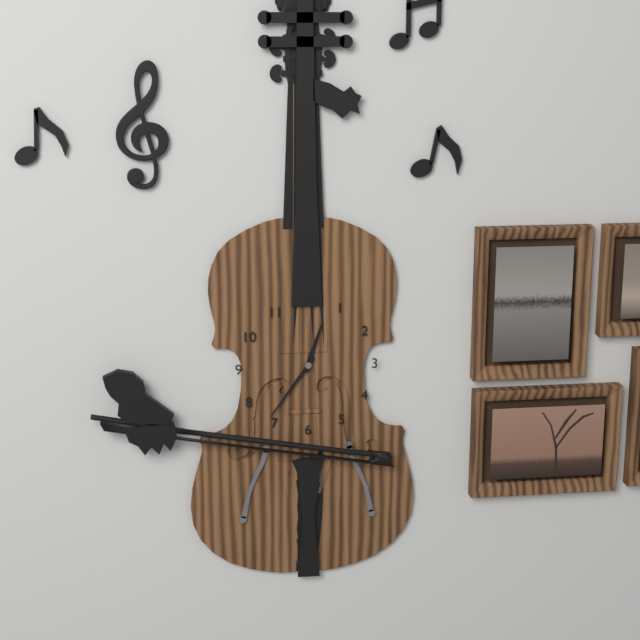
12:36
